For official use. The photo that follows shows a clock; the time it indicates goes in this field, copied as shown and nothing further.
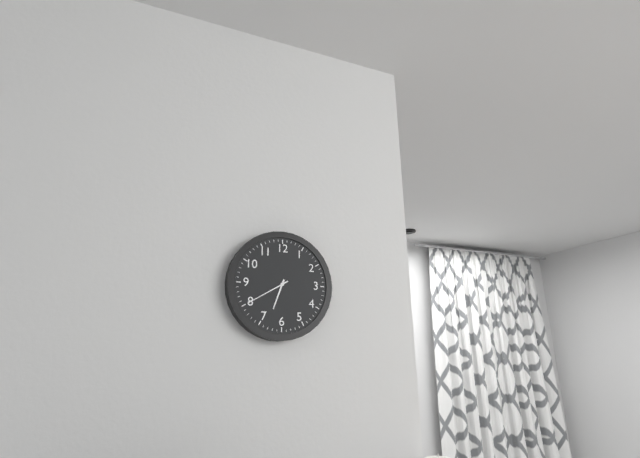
6:40
